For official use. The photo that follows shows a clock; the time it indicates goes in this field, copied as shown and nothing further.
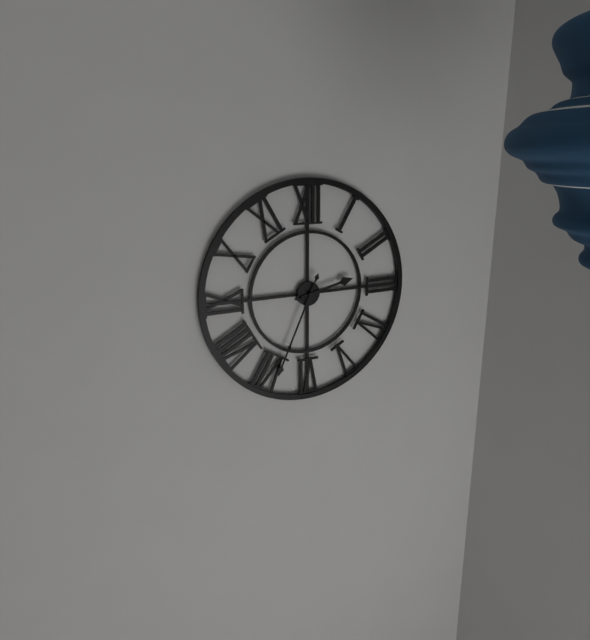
2:34
